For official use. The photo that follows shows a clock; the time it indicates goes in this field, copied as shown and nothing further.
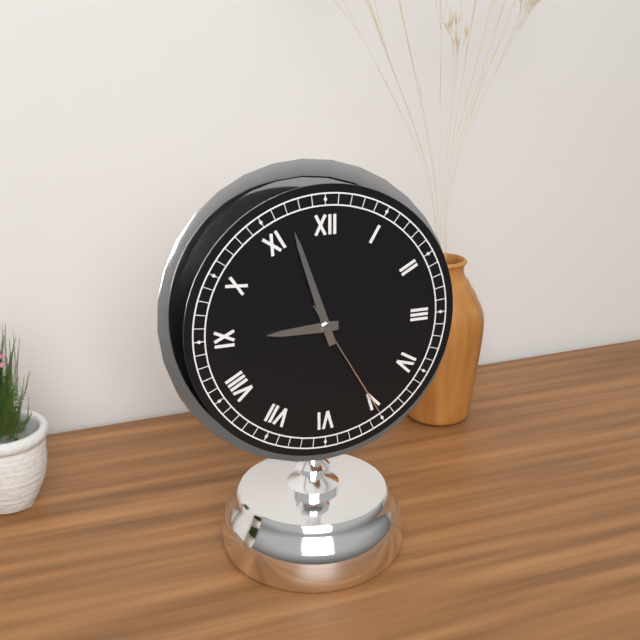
8:57:25
